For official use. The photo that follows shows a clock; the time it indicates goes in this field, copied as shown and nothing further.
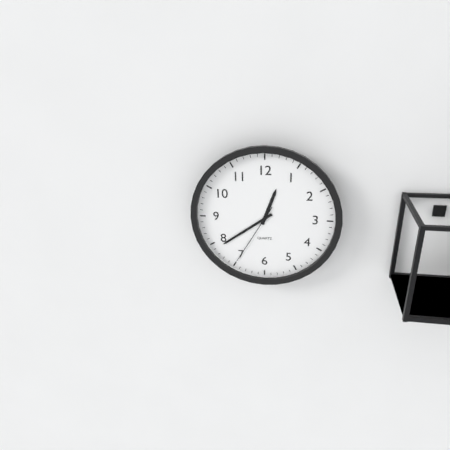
12:39:35
